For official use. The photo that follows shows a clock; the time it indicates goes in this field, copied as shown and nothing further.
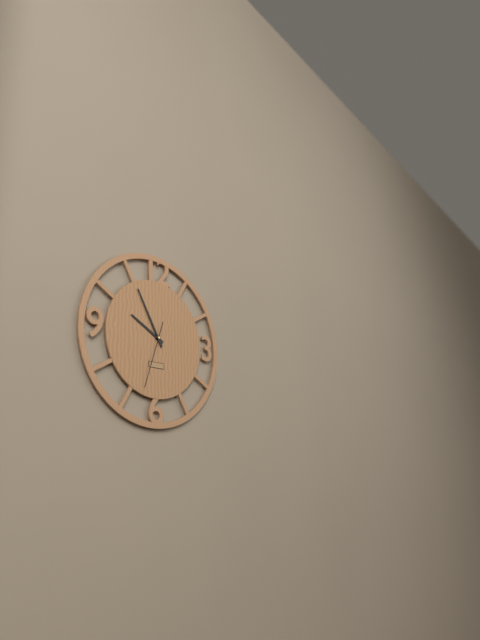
9:55:33
